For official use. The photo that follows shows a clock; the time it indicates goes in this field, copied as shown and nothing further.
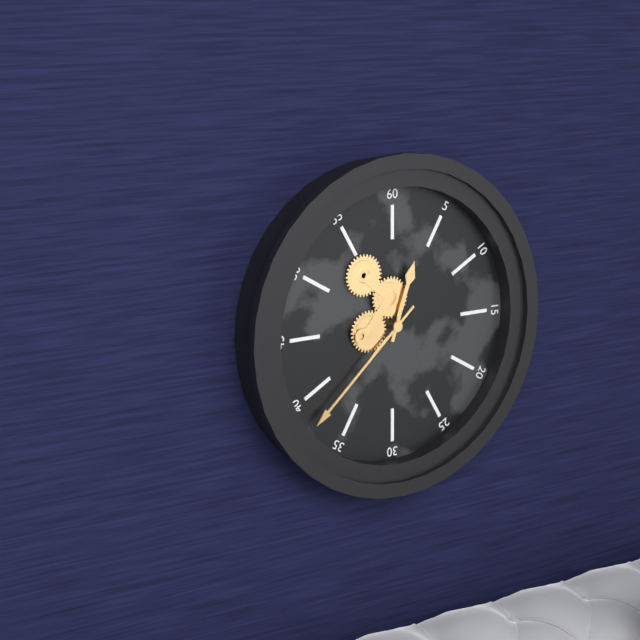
12:38
